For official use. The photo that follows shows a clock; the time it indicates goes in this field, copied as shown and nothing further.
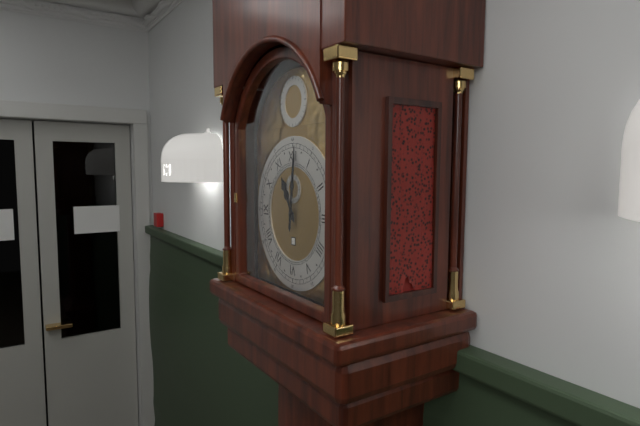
11:01
